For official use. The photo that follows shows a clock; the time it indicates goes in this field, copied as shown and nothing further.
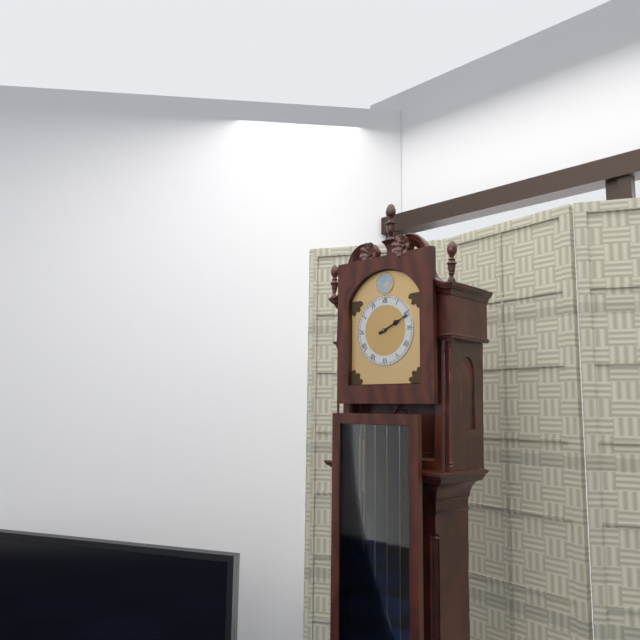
2:11
